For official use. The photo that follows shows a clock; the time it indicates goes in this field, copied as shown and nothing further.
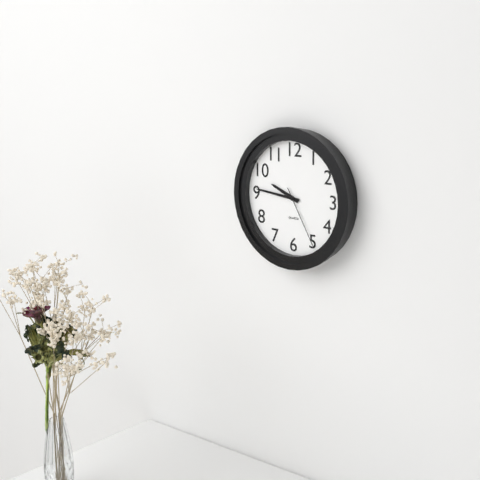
9:46:25
